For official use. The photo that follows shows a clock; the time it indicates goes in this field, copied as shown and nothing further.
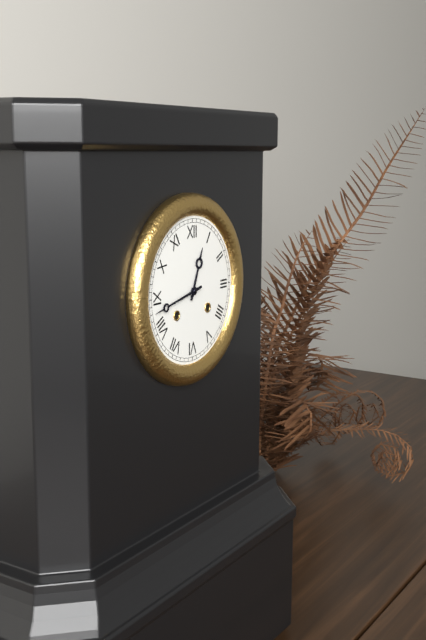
12:43
